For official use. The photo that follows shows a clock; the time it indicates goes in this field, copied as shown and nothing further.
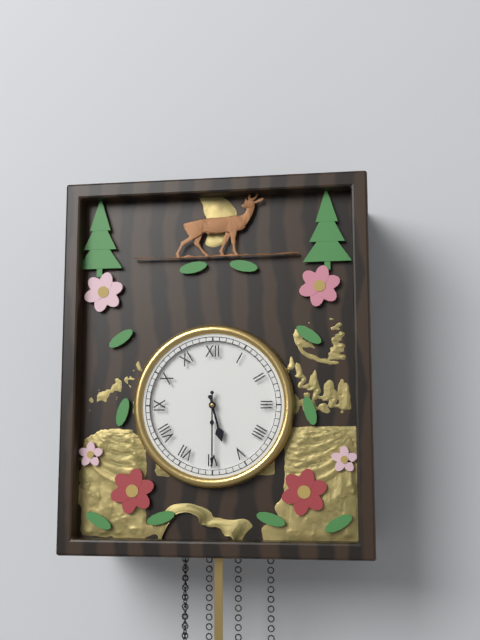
5:30
